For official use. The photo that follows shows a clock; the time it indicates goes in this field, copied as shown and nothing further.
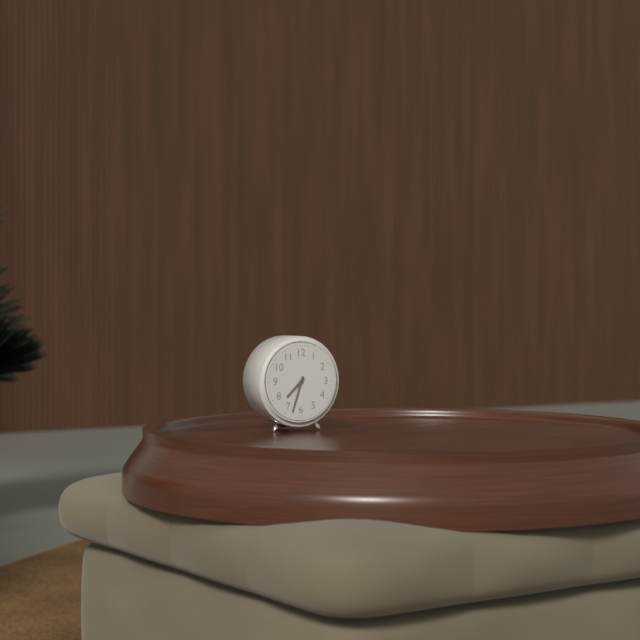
7:33
